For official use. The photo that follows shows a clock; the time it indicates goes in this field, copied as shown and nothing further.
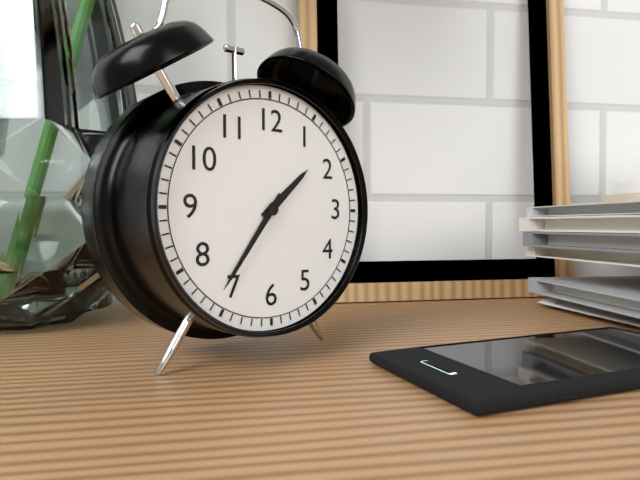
1:36
